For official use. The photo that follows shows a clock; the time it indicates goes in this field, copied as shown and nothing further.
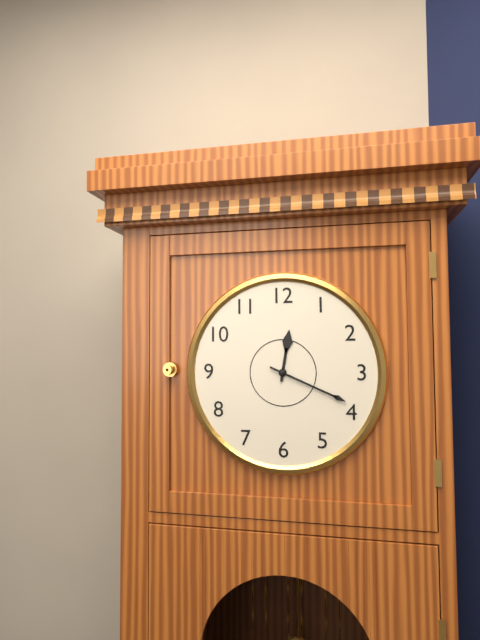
12:19
